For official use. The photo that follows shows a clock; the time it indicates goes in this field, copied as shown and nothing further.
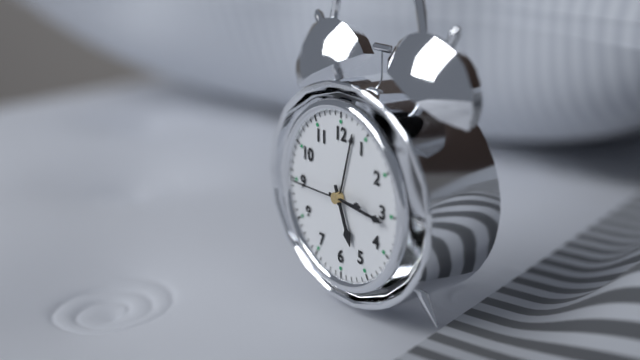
5:16:45
